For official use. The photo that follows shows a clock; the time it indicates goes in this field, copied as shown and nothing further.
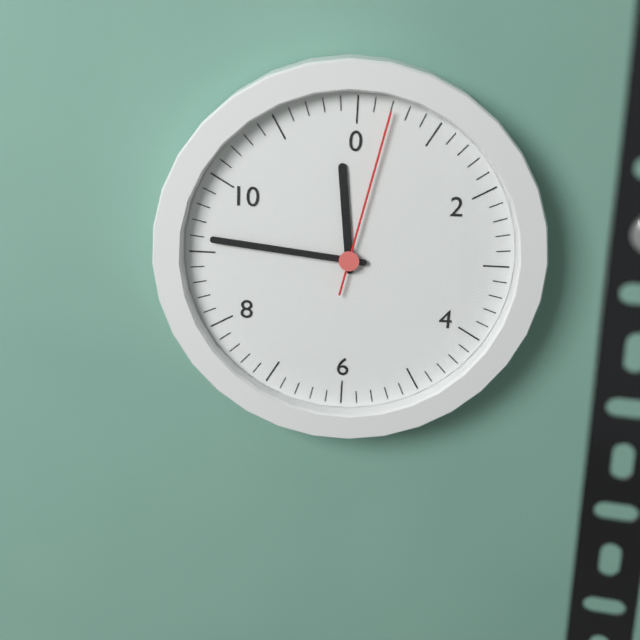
11:46:02
